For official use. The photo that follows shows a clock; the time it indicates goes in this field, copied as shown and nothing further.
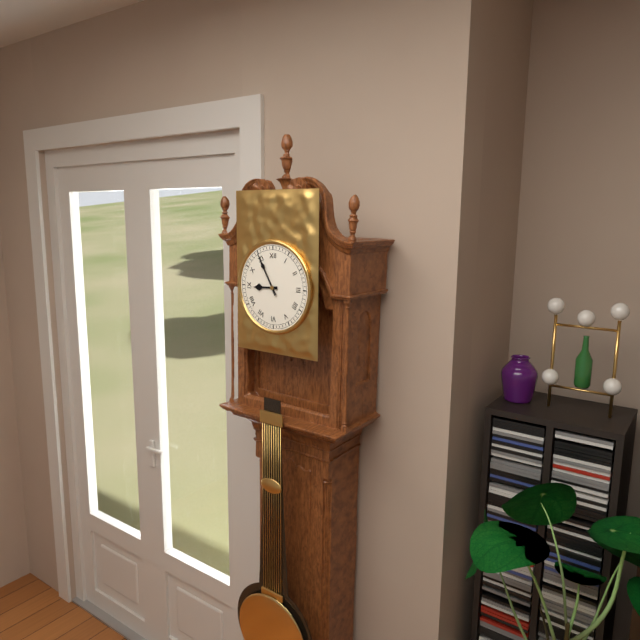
8:55
